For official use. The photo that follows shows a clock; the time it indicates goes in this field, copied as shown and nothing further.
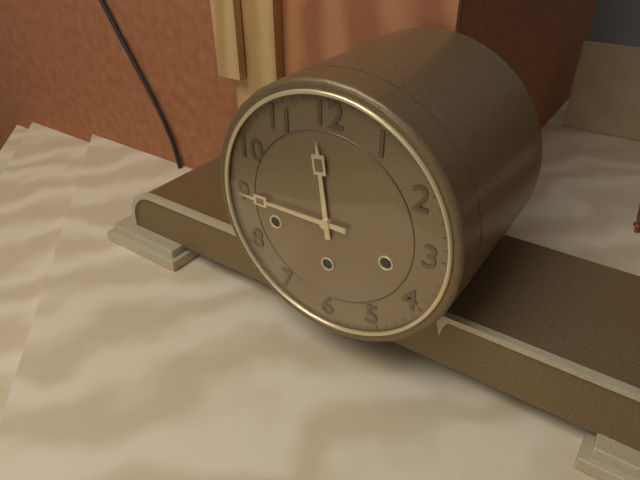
11:45
